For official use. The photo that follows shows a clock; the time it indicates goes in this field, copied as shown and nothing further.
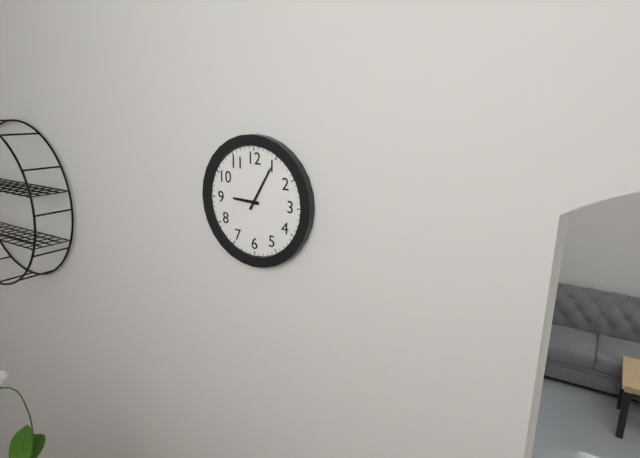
9:05
